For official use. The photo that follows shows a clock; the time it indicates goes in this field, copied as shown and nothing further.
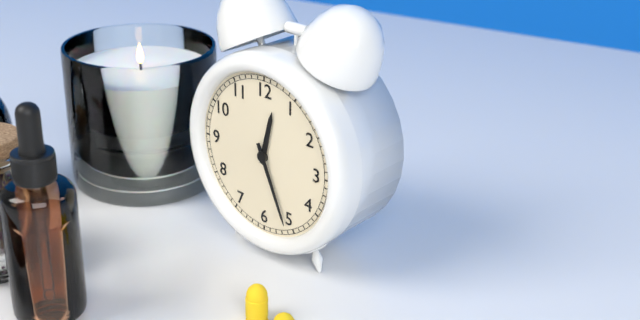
12:26
